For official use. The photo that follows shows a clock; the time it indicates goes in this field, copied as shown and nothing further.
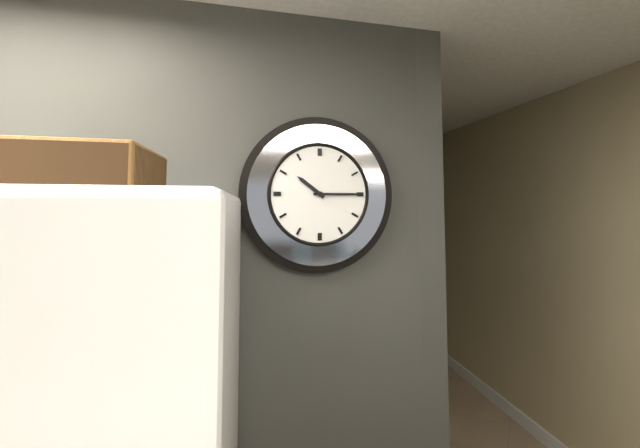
10:15
